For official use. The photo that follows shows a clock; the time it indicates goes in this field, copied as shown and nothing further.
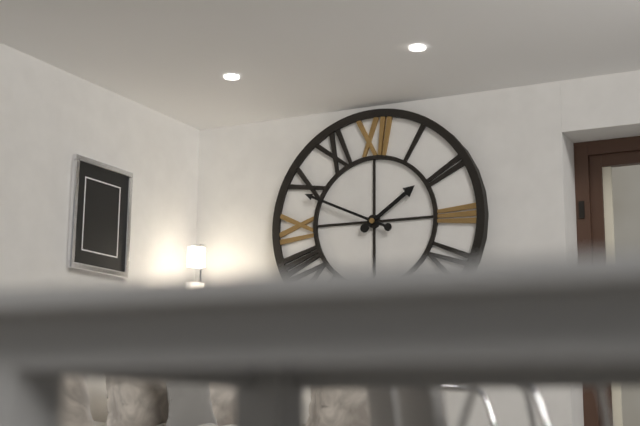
1:49
